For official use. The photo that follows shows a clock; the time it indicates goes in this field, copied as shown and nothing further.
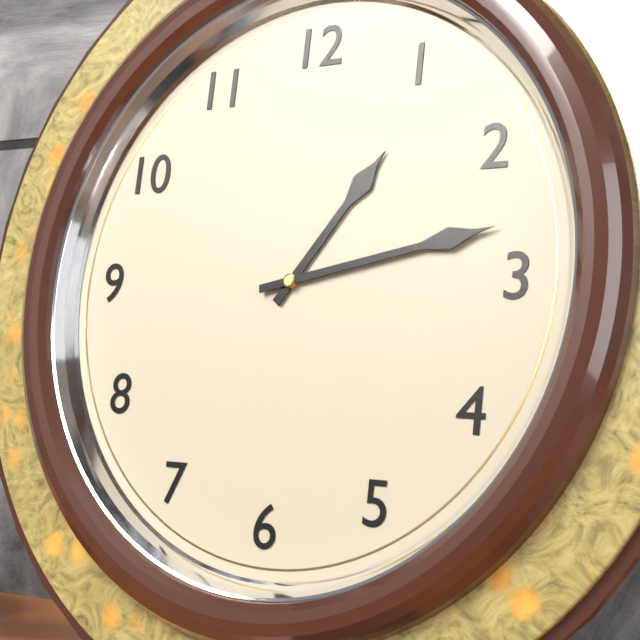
1:13
